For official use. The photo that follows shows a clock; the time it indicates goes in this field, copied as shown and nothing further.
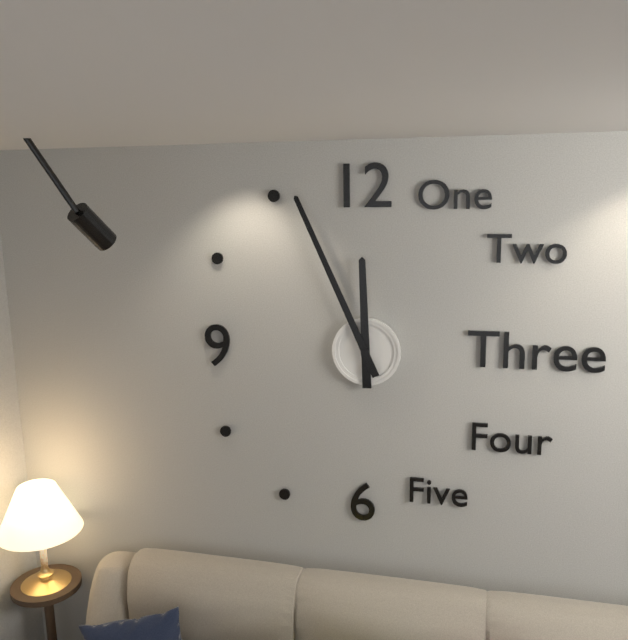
11:56
